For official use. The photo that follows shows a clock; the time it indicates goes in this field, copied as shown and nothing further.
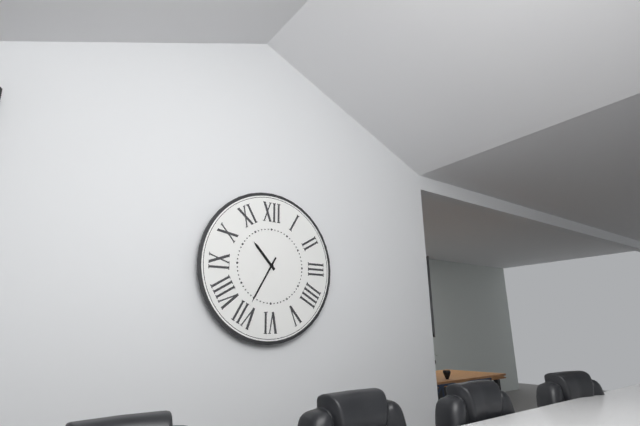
10:35
